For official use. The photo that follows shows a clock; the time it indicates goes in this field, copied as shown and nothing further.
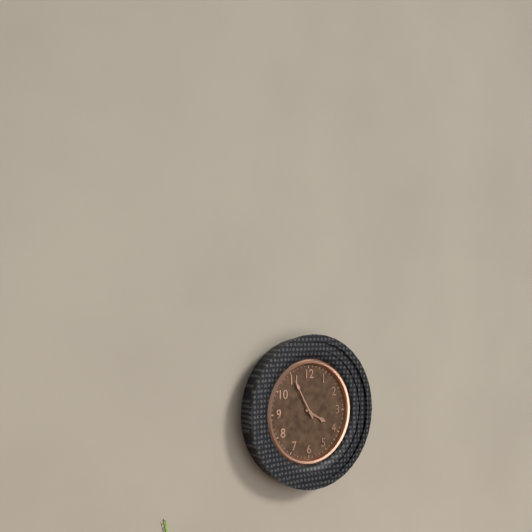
3:55
